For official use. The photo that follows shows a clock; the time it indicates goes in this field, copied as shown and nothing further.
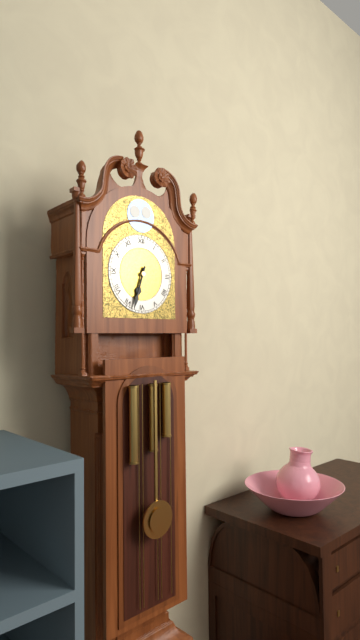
6:33
